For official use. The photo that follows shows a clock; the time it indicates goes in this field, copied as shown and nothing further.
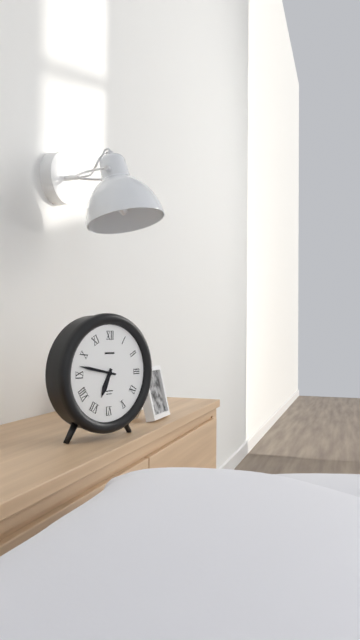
6:47
